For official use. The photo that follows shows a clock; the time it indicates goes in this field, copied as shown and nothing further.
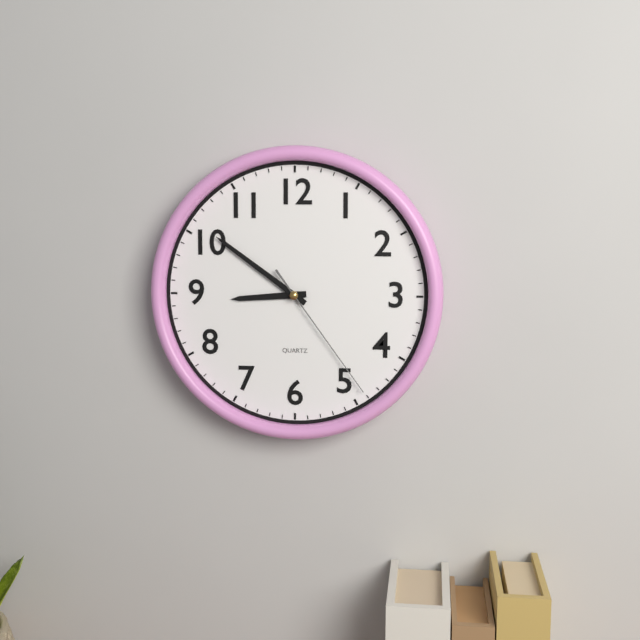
8:51:24
